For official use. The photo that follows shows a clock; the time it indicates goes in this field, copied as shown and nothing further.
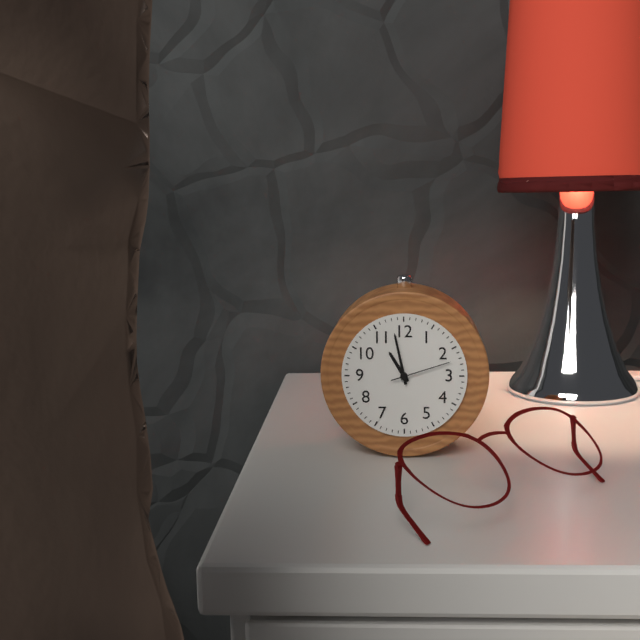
10:58:12
